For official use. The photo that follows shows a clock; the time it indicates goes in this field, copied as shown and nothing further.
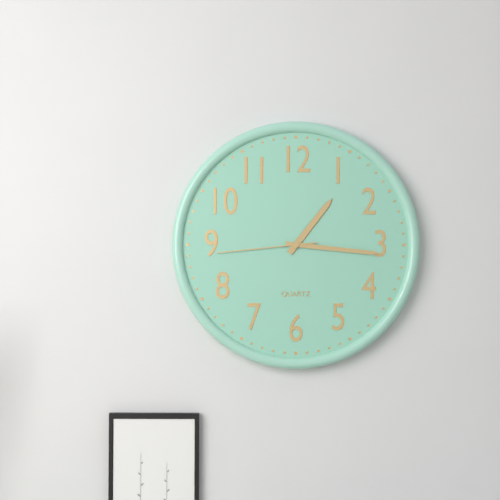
1:16:44
